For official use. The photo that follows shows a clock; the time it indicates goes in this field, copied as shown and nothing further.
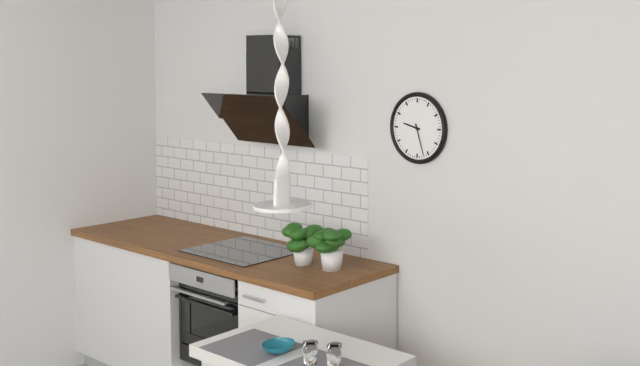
9:27
